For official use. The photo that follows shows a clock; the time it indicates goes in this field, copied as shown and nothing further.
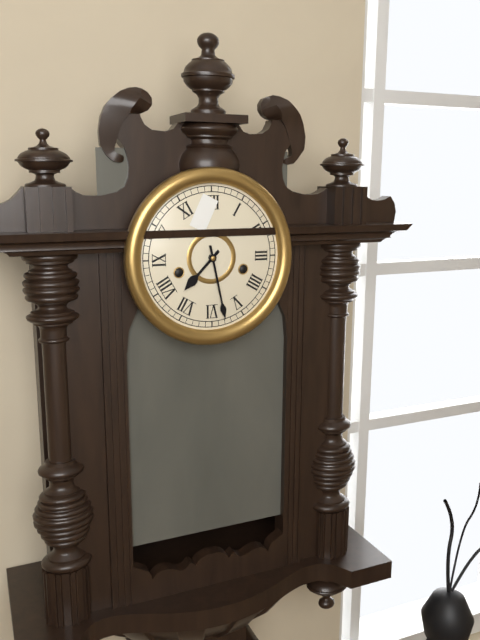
7:28
